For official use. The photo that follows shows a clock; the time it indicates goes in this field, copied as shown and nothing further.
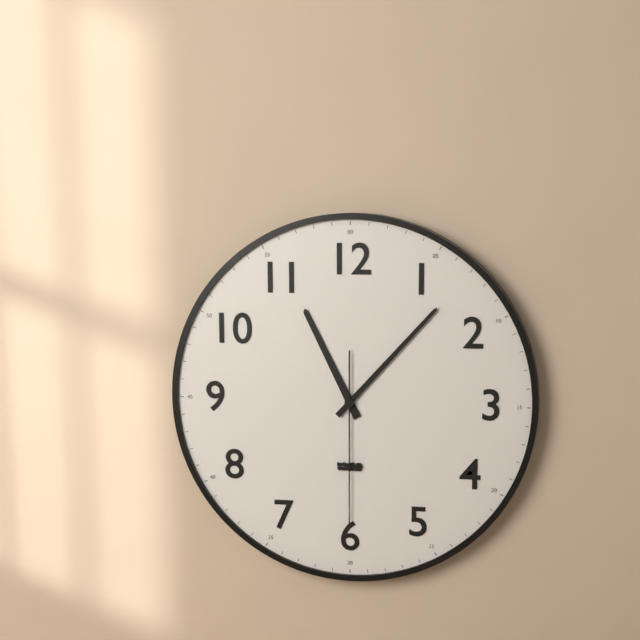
11:07:30
